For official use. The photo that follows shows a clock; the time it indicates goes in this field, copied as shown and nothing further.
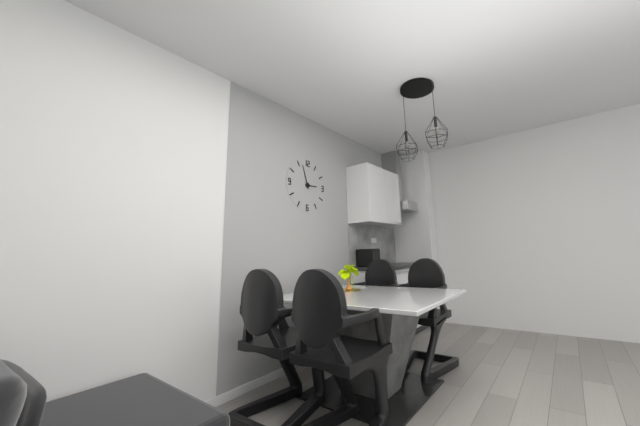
2:57
